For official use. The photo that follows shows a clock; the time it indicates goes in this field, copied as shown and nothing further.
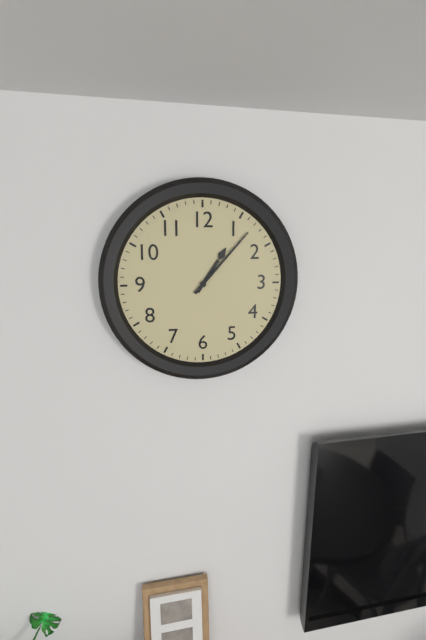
1:07
